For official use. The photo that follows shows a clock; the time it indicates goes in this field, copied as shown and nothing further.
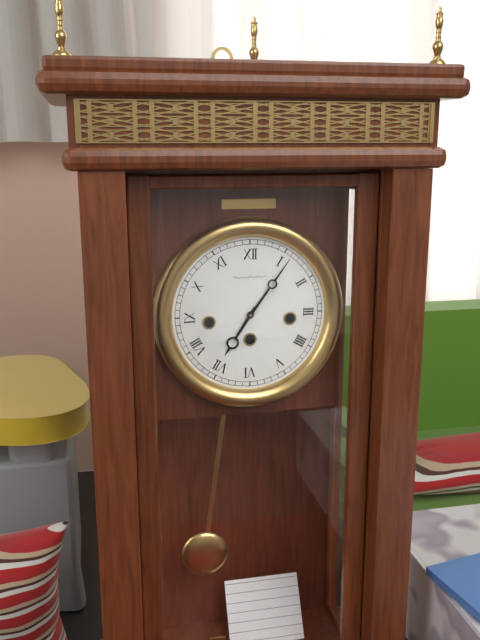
7:06
